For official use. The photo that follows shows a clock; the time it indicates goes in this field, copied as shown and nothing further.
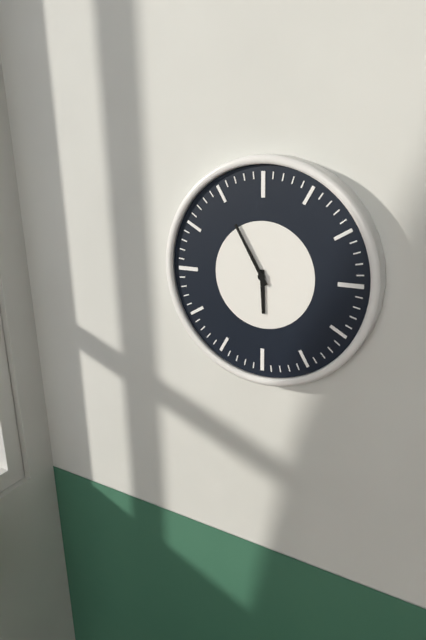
5:55
